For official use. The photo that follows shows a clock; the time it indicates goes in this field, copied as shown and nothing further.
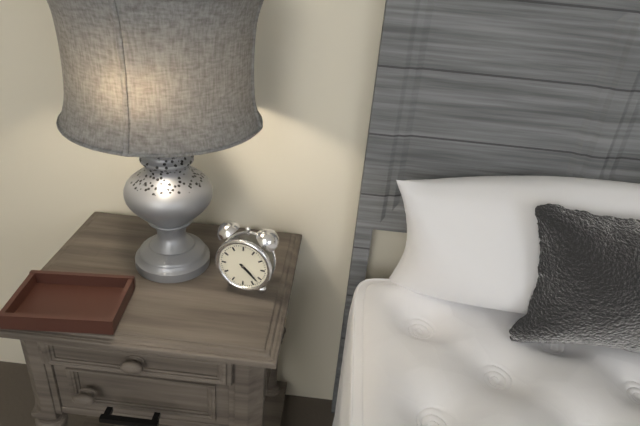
4:22
